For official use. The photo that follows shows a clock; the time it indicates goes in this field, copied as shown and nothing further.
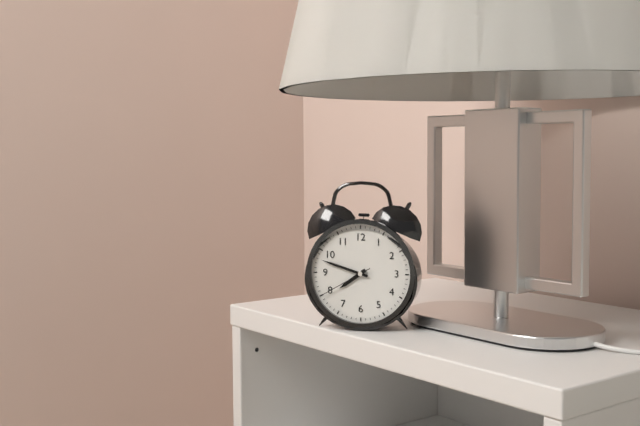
7:48:40
